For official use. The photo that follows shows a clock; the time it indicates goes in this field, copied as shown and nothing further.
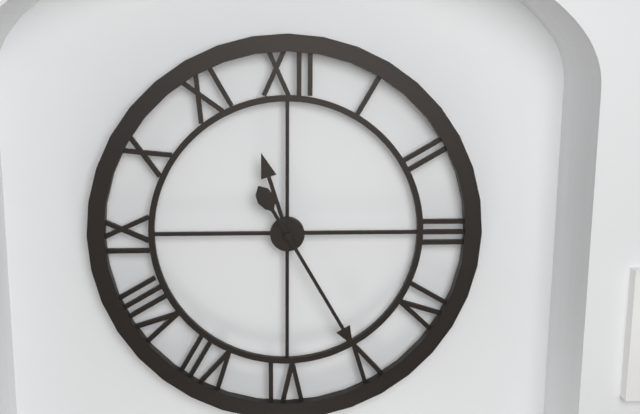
11:25
